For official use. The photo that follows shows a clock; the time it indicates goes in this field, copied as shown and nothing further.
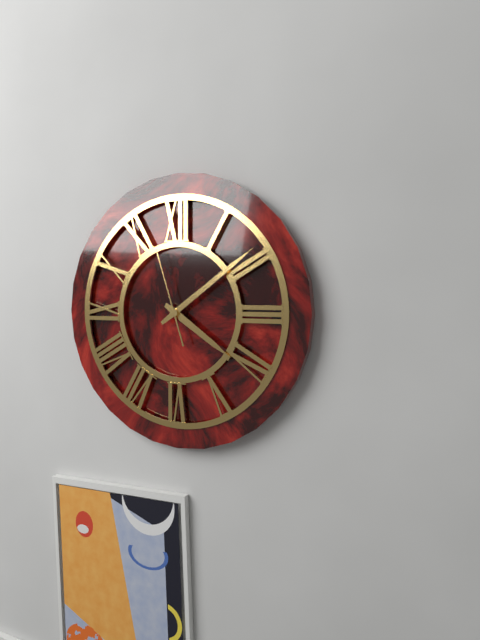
4:09:57
